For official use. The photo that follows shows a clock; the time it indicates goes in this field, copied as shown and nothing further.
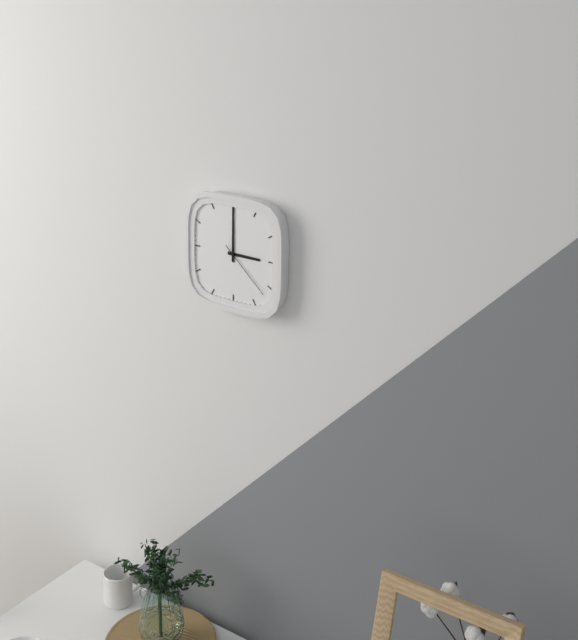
3:00:22
